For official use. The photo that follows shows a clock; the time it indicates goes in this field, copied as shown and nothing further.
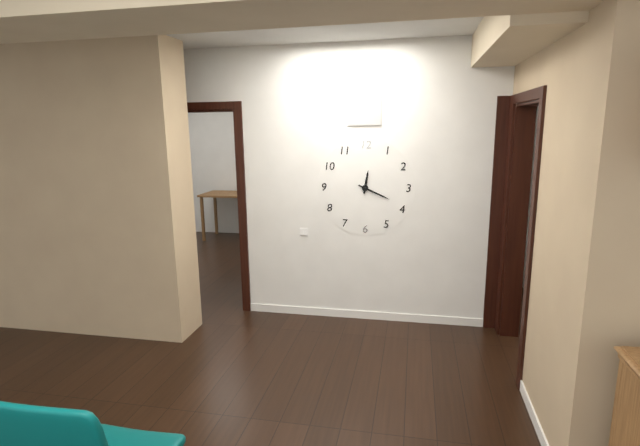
12:19
